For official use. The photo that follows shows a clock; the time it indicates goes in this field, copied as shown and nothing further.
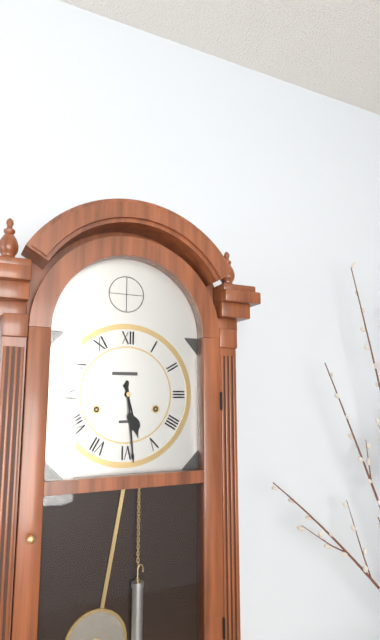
5:29
